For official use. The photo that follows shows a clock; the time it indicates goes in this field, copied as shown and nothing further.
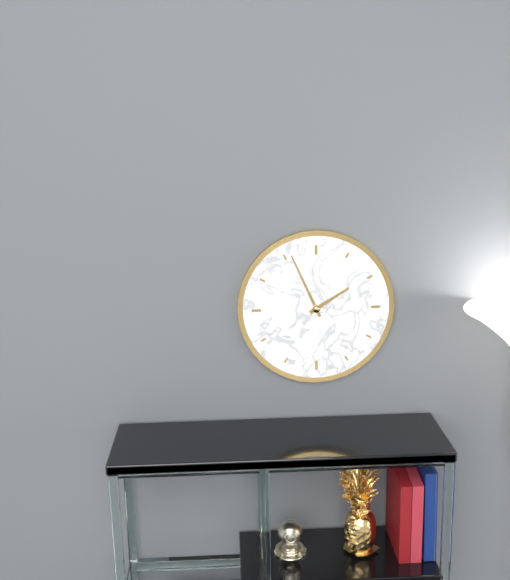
1:56
